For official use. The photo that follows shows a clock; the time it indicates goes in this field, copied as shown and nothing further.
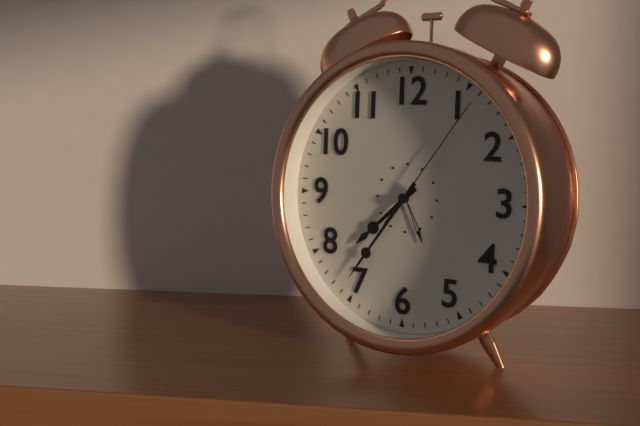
7:36:06
